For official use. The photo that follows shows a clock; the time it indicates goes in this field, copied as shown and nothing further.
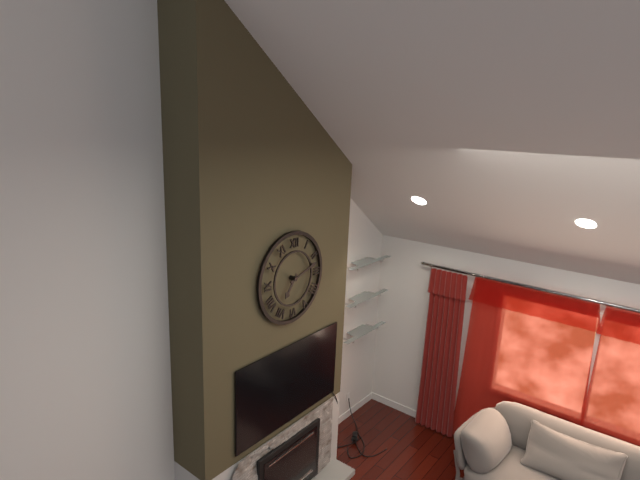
7:12
